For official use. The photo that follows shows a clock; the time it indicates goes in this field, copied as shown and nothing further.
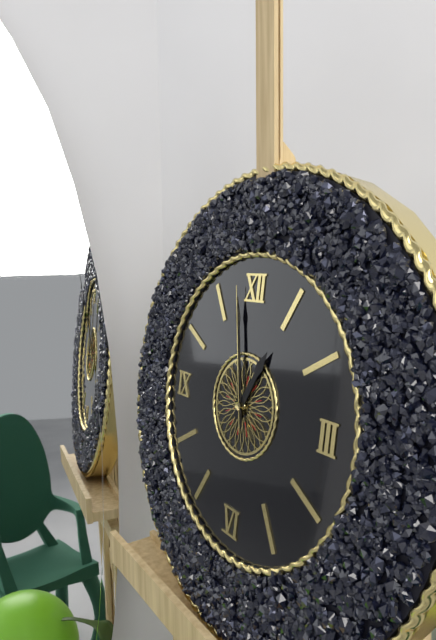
12:58:58
